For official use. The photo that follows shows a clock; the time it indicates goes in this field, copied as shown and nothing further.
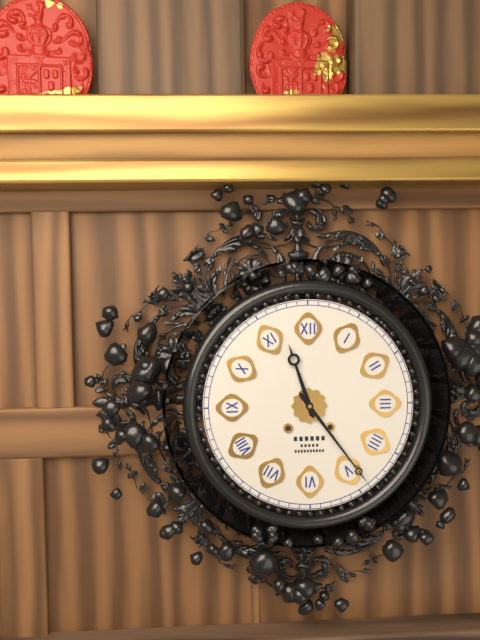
11:24
